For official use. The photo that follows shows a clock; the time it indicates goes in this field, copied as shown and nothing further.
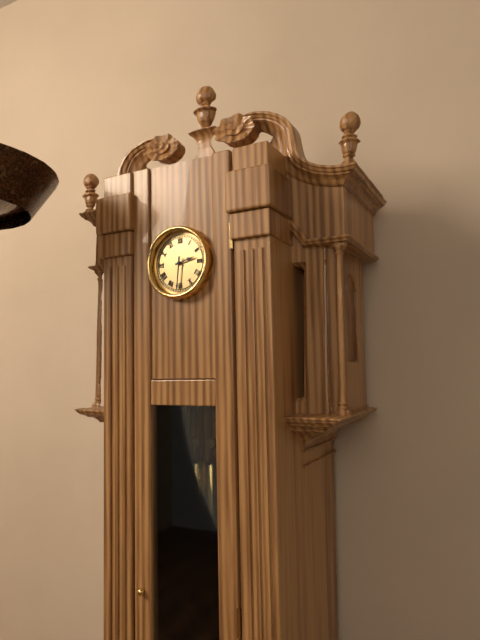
2:31
